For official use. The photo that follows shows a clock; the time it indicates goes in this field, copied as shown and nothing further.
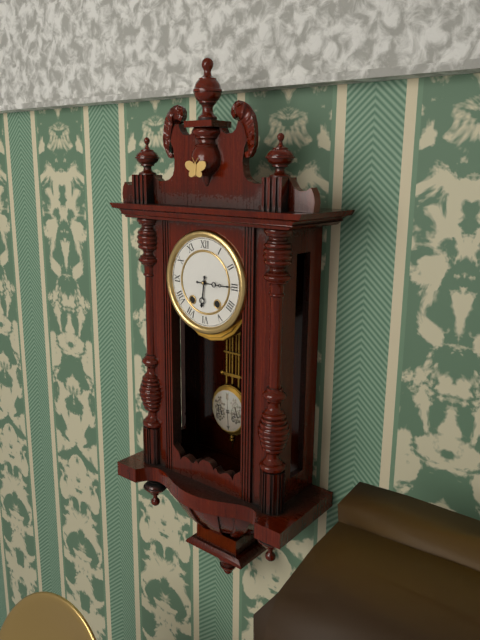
6:15
